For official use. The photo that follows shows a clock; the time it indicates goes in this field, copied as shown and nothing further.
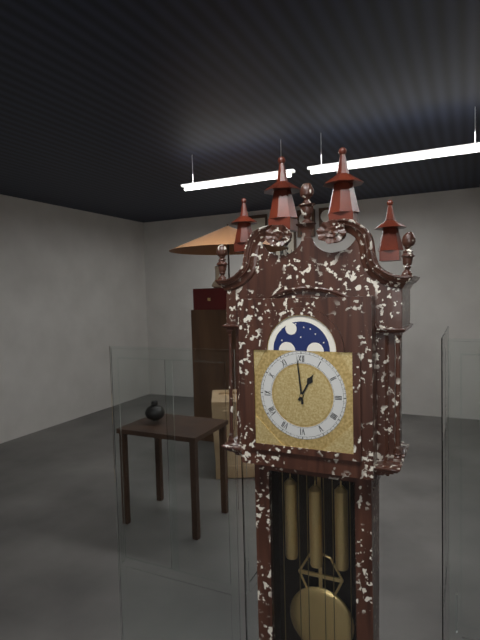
12:59
